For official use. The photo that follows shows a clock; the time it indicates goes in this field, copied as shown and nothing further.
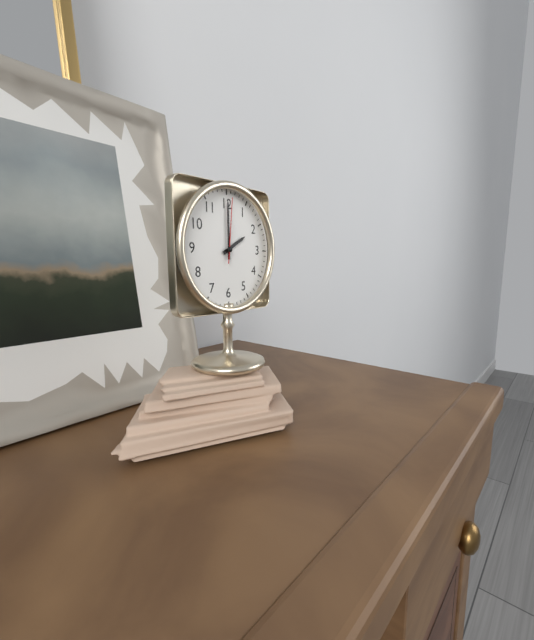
2:00:01
